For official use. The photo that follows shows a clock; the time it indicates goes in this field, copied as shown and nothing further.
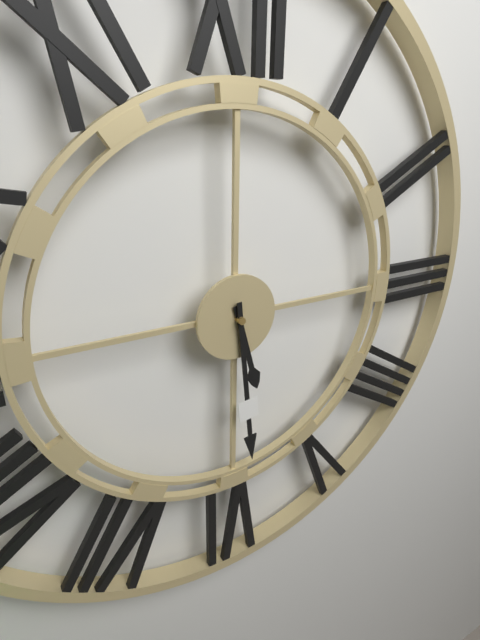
5:29
